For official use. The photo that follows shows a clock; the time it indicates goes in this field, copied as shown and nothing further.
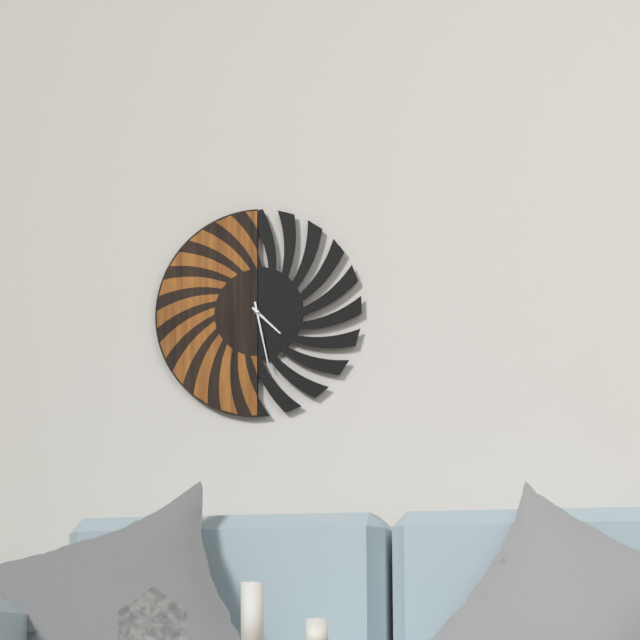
4:28
